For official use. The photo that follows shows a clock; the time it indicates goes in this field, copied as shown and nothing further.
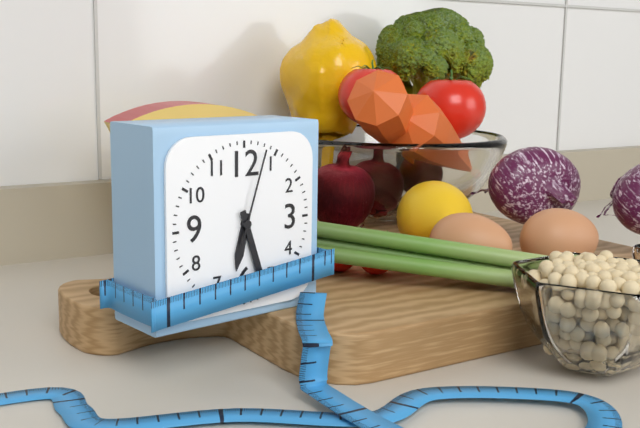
6:27:03
